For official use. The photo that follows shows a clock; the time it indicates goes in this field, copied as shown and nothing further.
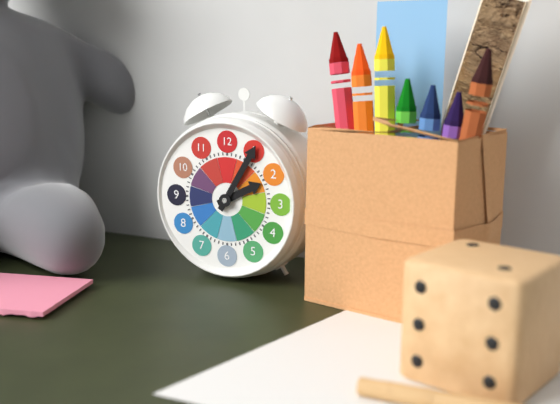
2:05
